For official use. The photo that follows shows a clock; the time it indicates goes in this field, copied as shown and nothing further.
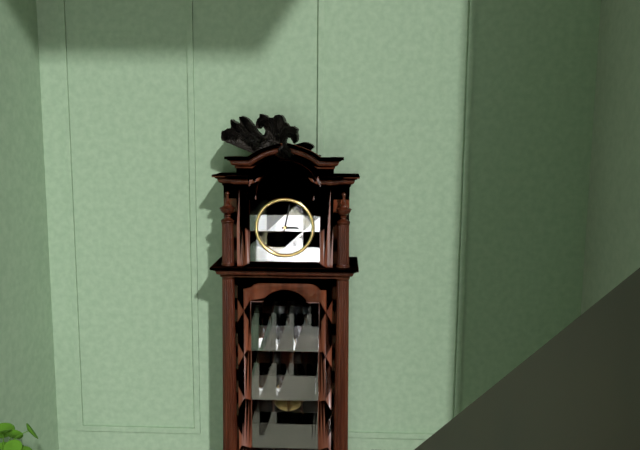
3:02
